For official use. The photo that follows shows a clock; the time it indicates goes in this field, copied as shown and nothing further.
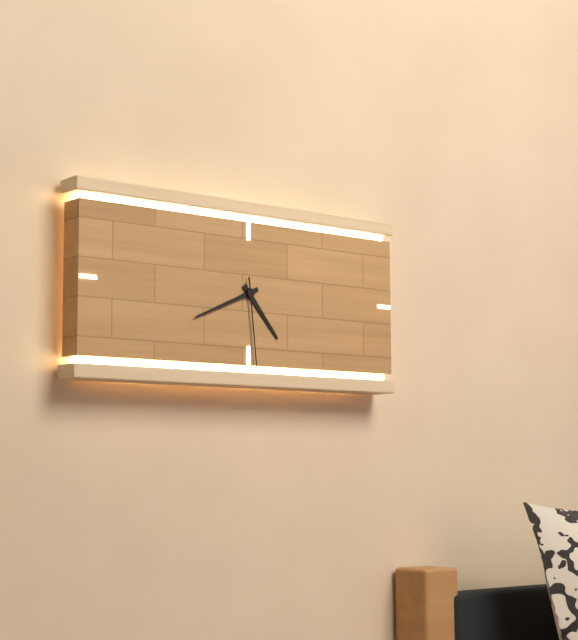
4:41:29
